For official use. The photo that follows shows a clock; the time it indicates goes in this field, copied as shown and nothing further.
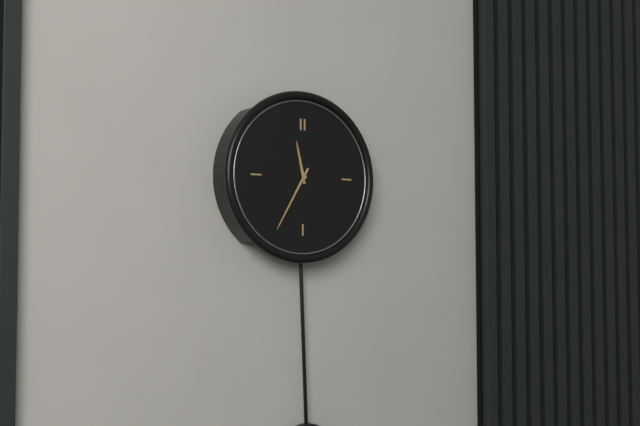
11:35
